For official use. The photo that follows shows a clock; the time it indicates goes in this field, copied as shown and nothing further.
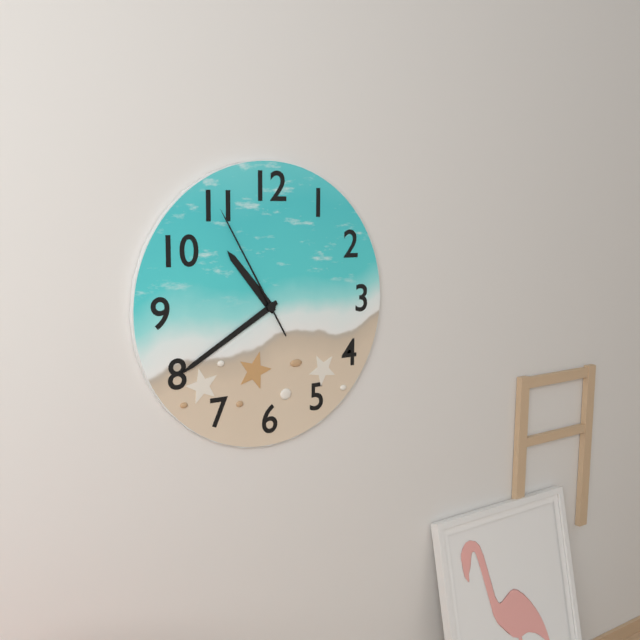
10:40:55
